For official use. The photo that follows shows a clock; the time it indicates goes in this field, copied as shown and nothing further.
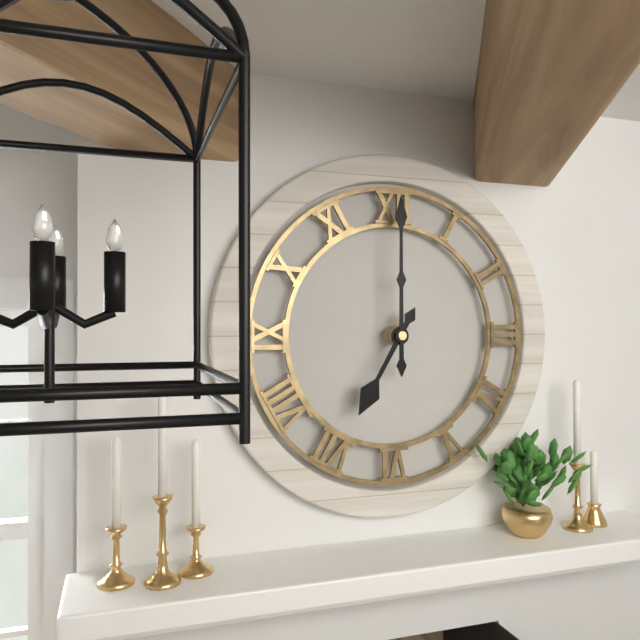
7:00
